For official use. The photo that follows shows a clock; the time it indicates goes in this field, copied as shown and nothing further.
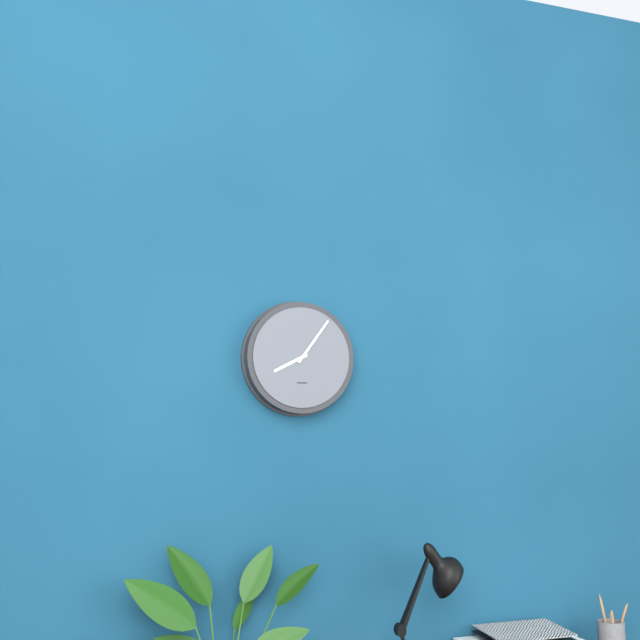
8:06
